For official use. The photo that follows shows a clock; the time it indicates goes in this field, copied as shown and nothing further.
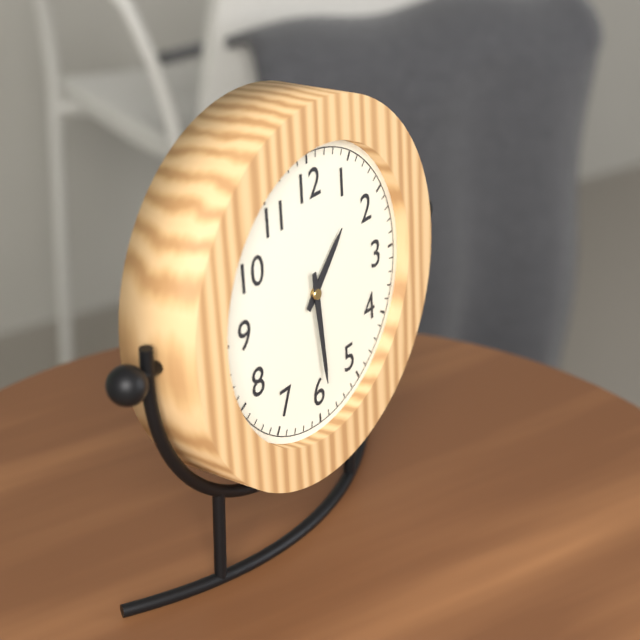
1:29
